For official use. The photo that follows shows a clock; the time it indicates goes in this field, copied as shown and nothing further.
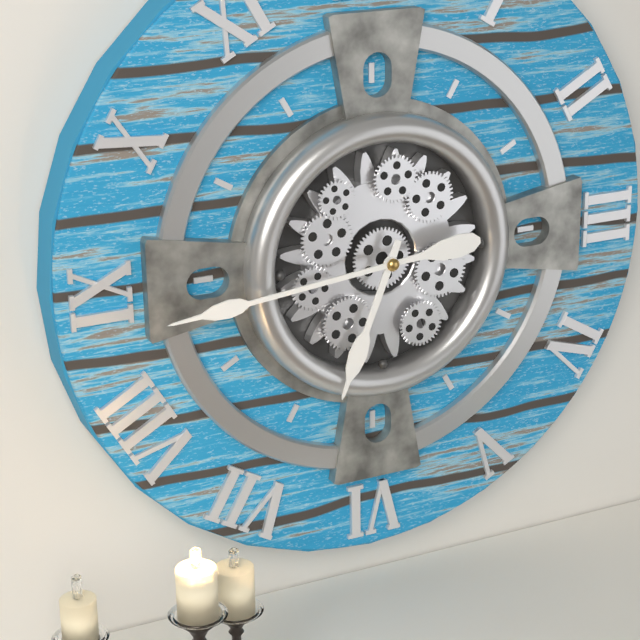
6:44
